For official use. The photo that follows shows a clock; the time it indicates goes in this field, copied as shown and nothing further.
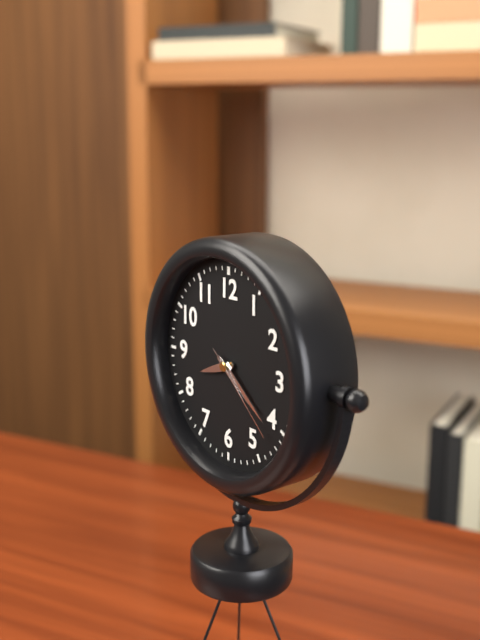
8:21:22
